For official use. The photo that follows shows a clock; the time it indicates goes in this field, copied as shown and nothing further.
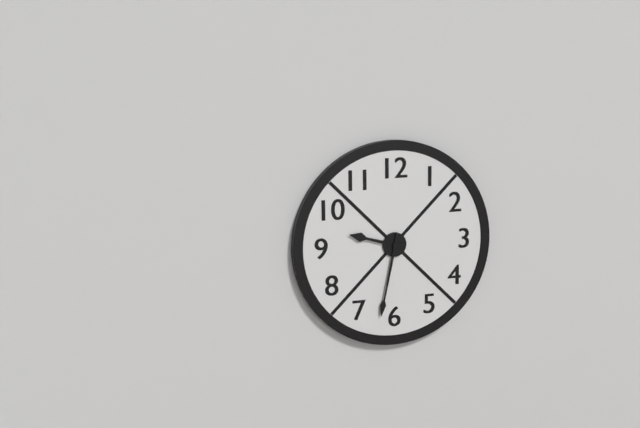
9:32
